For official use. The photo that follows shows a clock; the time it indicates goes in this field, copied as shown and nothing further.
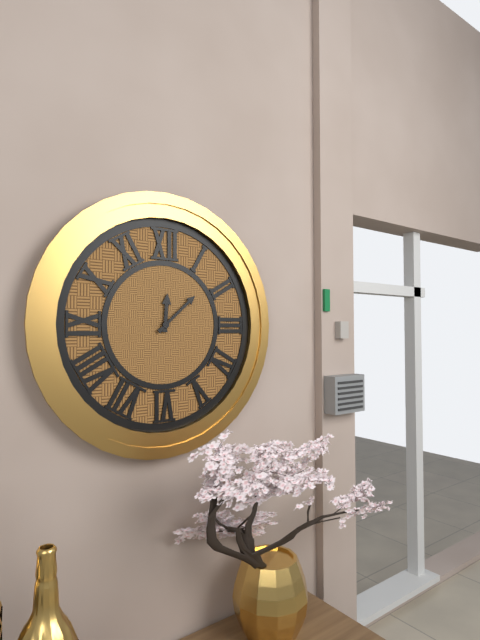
12:08
